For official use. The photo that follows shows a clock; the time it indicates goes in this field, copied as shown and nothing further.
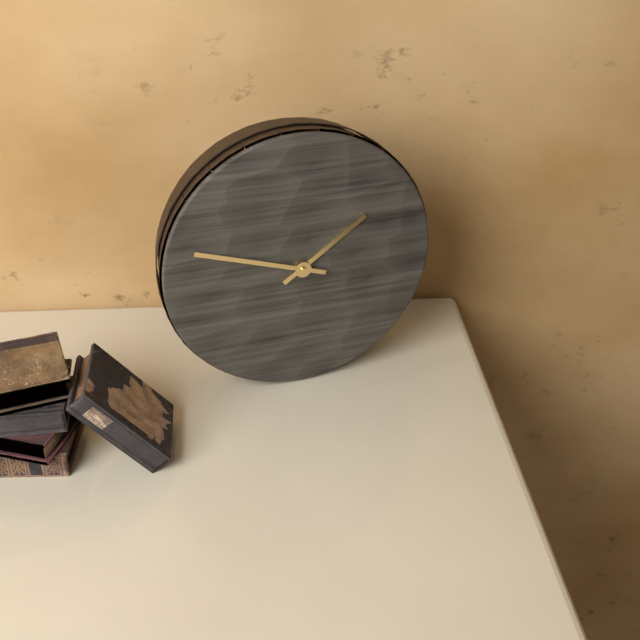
1:48
